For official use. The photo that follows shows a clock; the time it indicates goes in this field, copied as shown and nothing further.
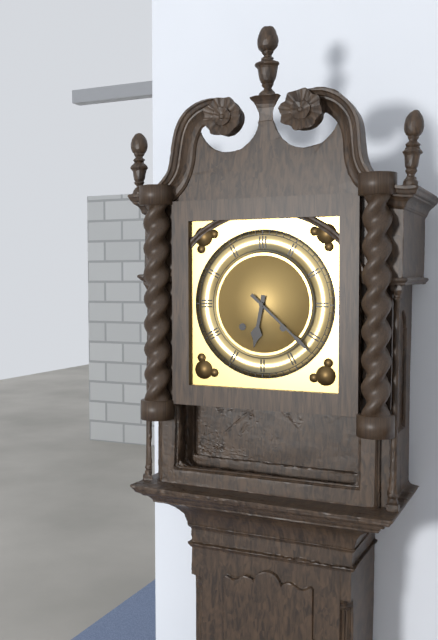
6:22
